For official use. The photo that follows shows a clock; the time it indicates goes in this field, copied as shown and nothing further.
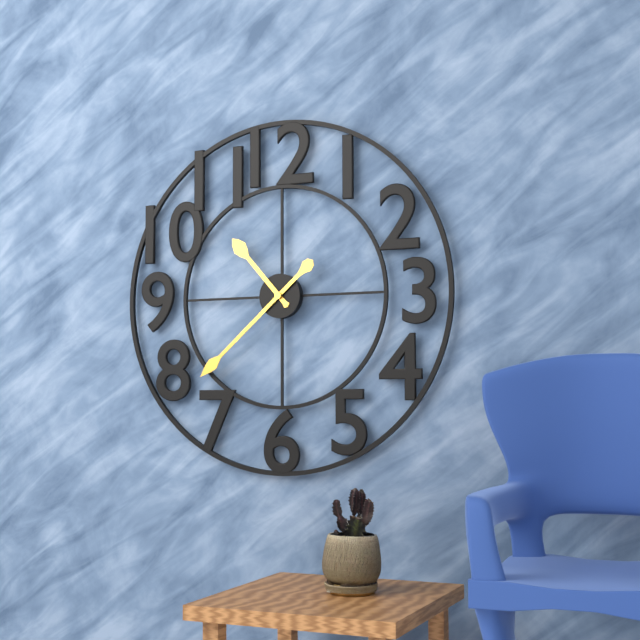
10:38
